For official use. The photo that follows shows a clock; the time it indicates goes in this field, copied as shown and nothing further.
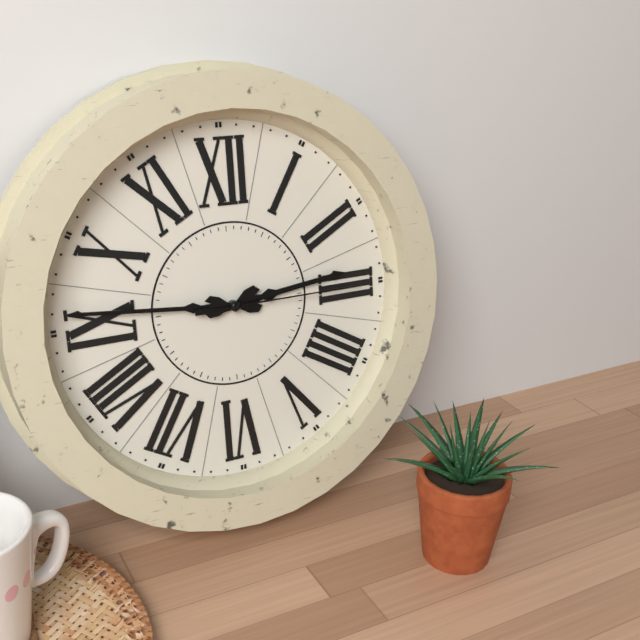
2:46:15
